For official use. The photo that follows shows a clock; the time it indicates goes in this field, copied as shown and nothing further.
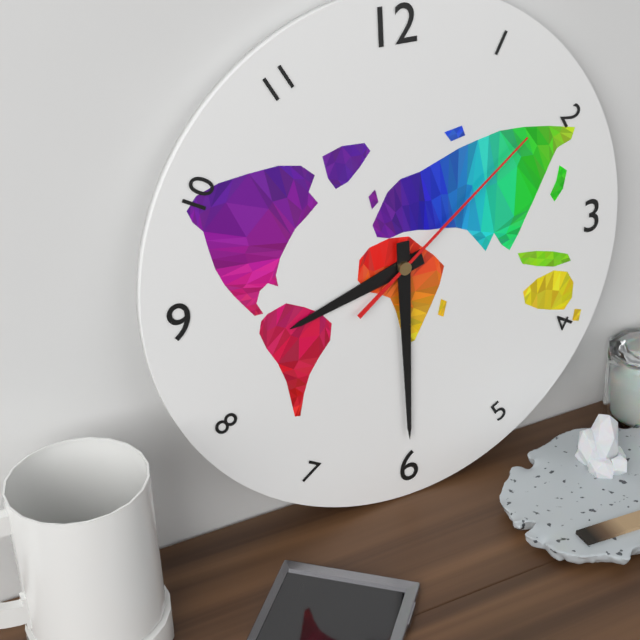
8:30:09
